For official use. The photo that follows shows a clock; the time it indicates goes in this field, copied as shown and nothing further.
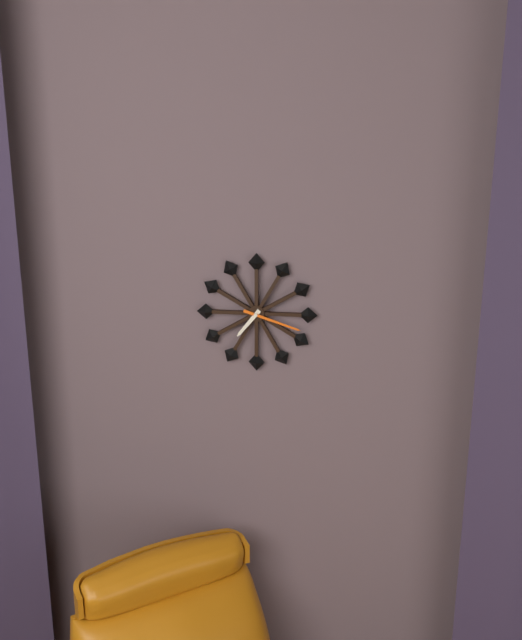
7:18
